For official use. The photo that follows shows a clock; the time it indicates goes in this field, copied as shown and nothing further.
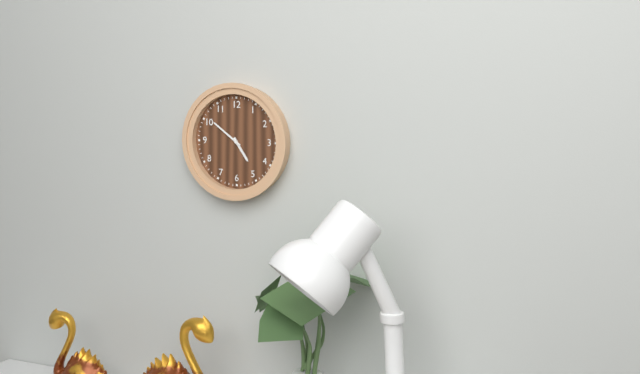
4:51
